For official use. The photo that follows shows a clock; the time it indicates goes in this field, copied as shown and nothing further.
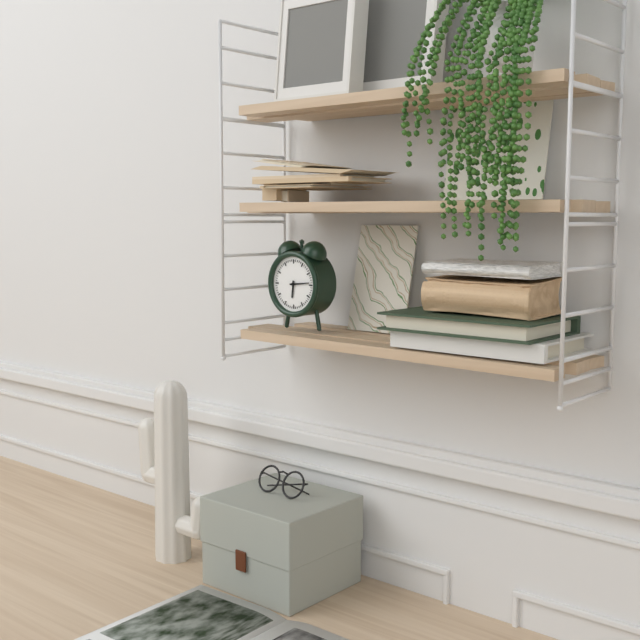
6:14
